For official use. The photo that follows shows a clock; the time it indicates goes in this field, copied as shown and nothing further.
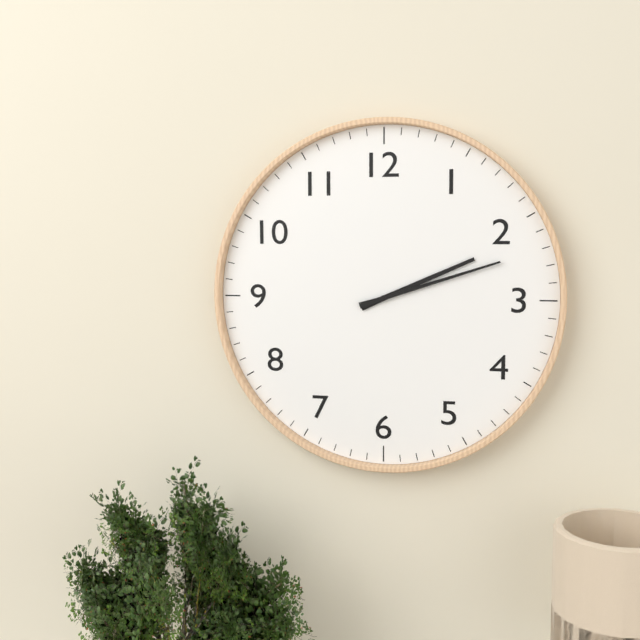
2:12
